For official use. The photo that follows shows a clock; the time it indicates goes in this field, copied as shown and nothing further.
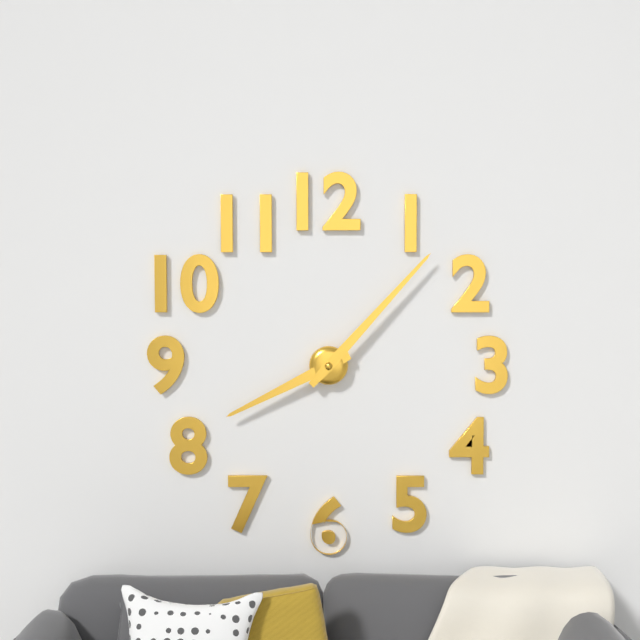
8:07
